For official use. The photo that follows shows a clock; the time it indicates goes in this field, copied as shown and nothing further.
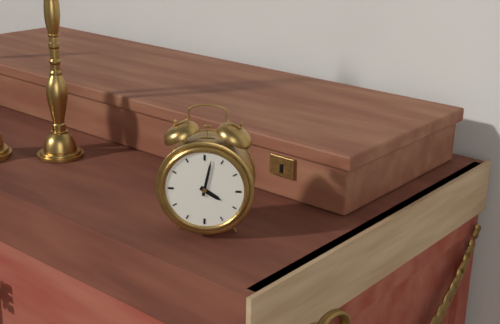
4:02
